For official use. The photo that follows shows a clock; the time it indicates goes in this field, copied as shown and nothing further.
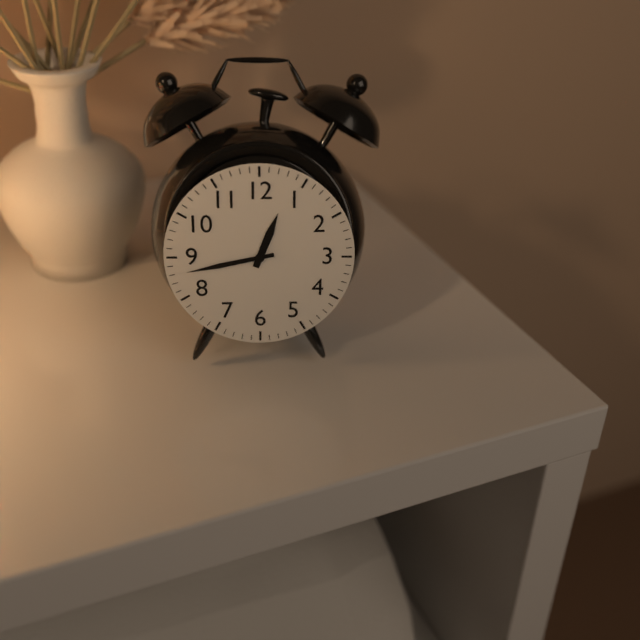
12:43
